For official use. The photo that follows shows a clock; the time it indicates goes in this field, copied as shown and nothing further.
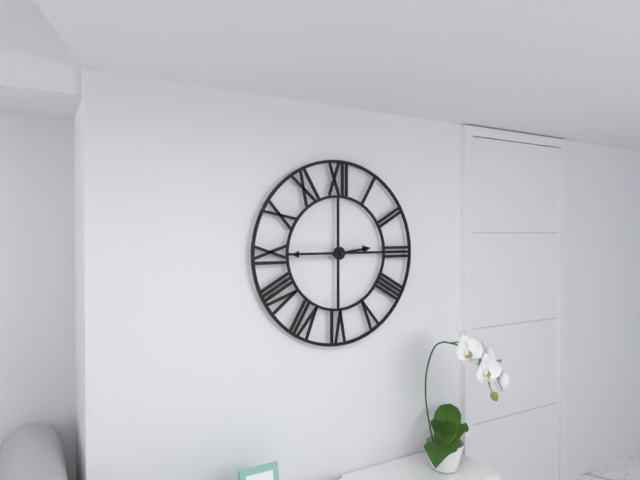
2:45
